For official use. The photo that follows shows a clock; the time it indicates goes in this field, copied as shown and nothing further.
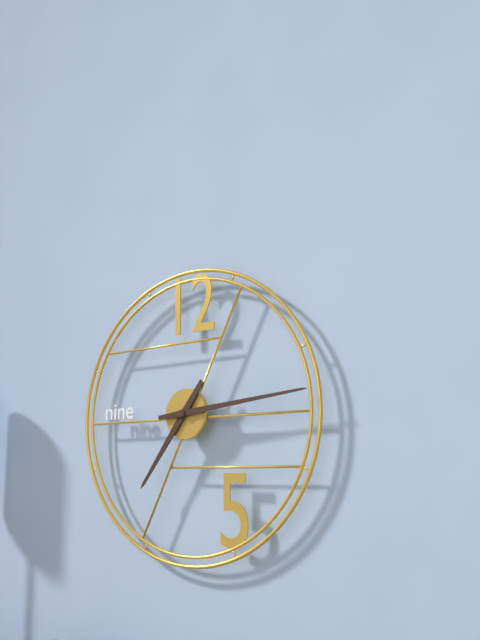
7:14
